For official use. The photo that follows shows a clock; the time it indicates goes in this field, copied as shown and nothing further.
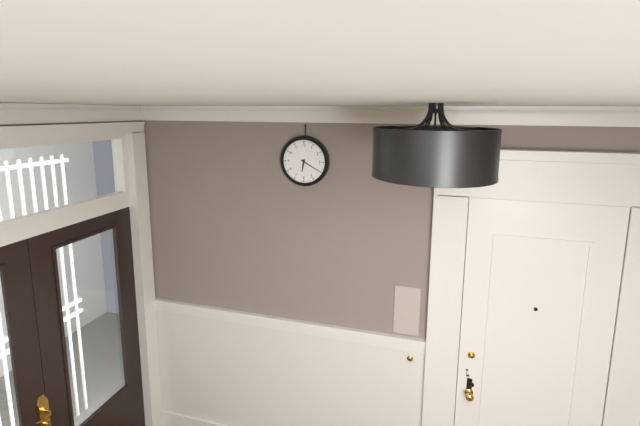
6:20
